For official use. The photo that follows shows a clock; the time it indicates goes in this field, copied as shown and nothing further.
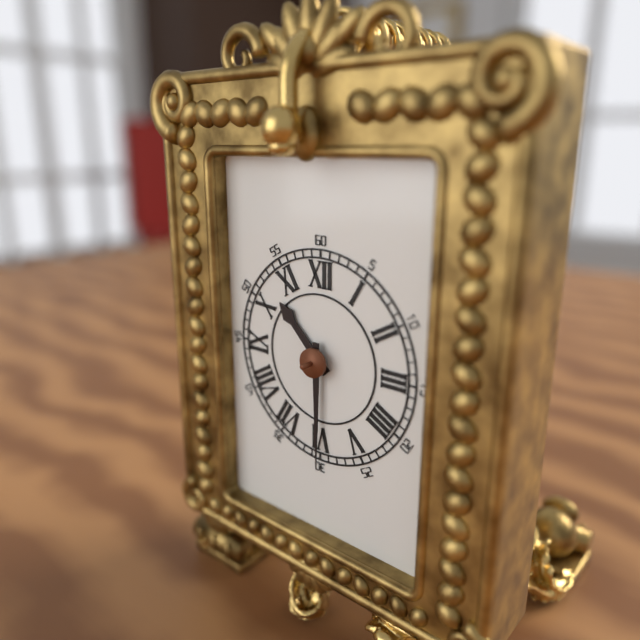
10:30
